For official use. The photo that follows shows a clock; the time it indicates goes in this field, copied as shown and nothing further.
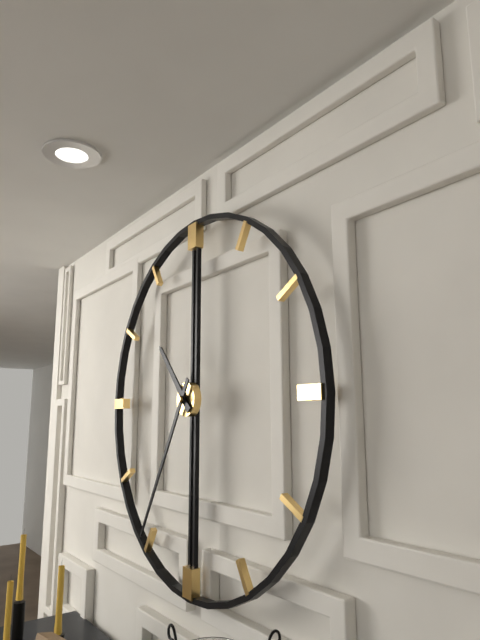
10:35
